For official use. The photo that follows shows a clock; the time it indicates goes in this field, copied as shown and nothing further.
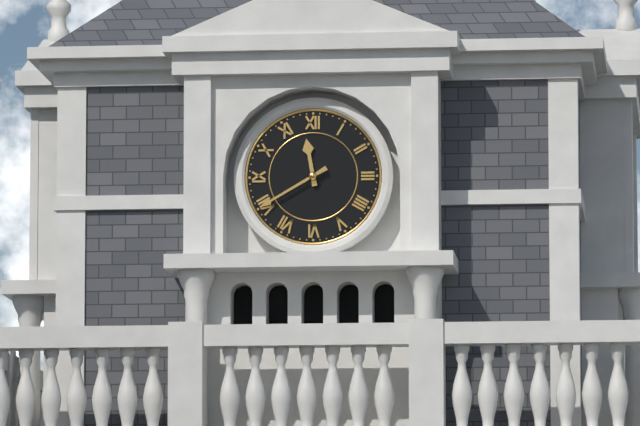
11:40
